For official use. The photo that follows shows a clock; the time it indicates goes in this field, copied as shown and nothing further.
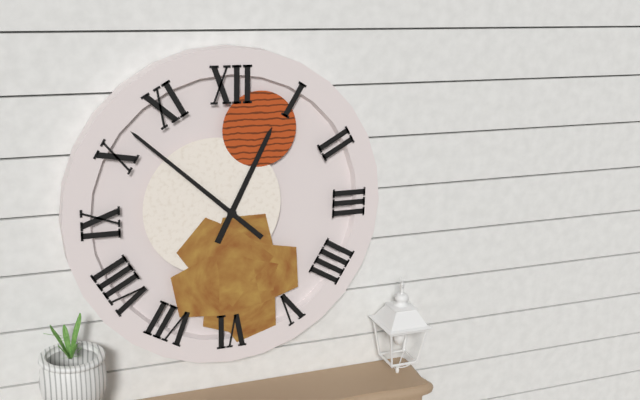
12:52
